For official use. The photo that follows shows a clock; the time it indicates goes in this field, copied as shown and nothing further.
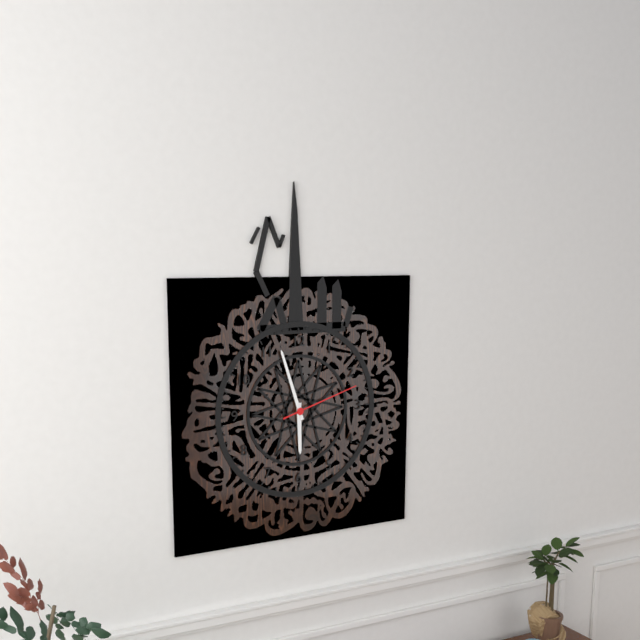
5:57:12
